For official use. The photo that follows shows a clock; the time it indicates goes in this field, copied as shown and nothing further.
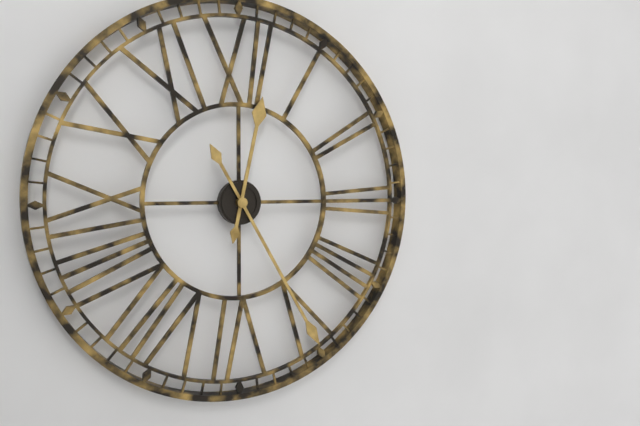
12:25
